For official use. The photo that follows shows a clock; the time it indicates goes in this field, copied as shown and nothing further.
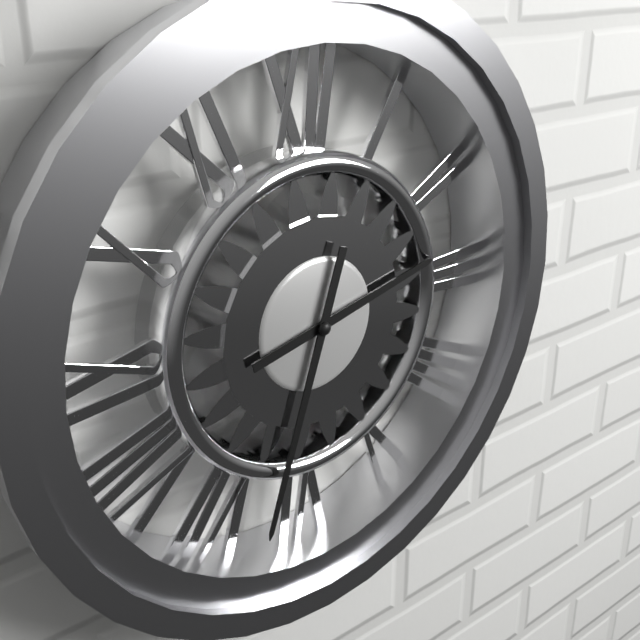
2:33
